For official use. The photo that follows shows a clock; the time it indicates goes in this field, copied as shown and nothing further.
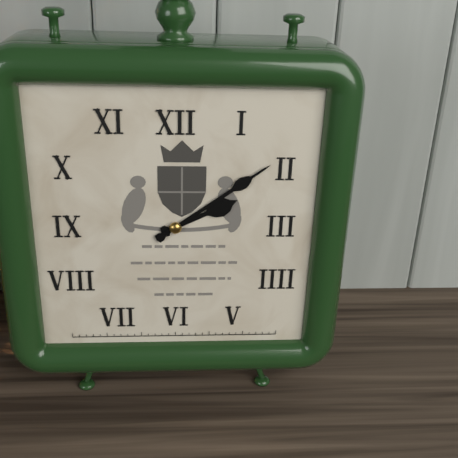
2:09
